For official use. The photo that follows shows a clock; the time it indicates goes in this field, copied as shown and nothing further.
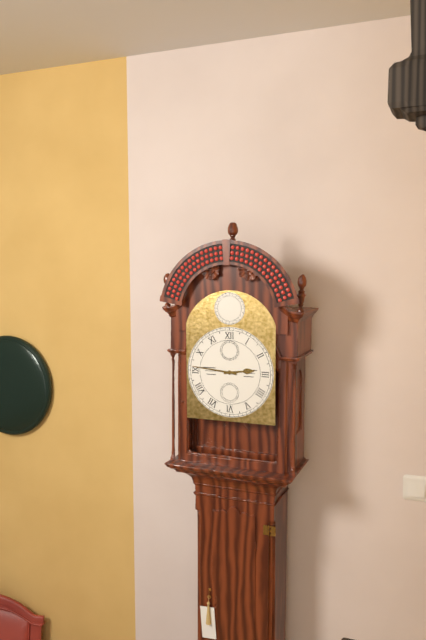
2:46
